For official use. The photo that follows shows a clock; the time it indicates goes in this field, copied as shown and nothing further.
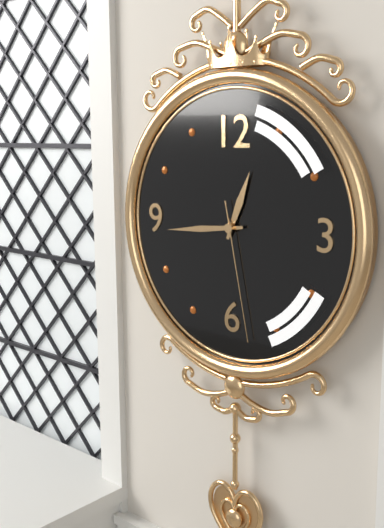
12:44:28
